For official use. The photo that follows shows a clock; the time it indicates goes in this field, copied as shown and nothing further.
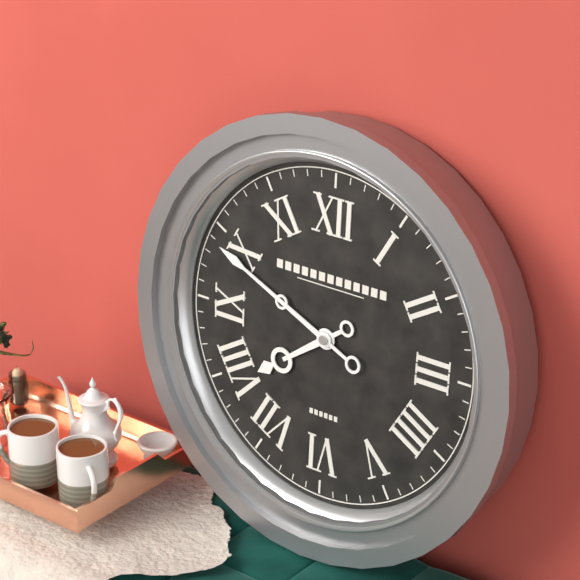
7:49
